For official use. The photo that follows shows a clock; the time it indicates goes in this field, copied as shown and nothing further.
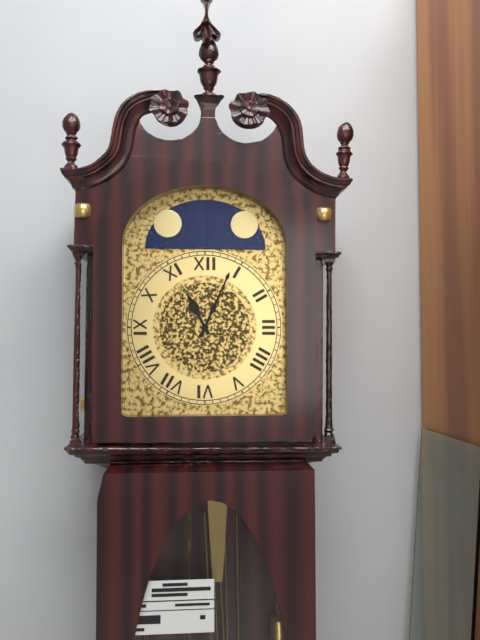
11:04
